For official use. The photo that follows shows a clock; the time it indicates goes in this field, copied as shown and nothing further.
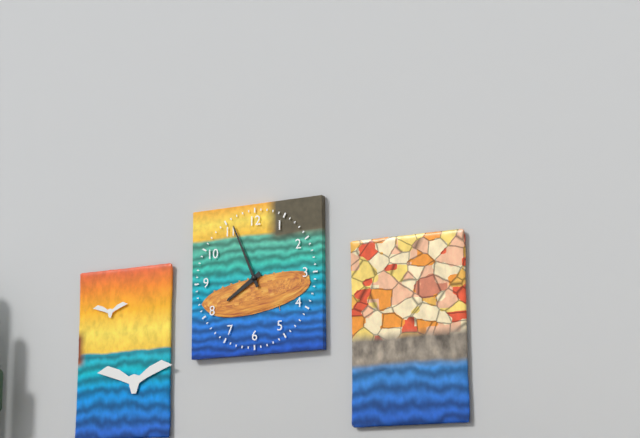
7:56
